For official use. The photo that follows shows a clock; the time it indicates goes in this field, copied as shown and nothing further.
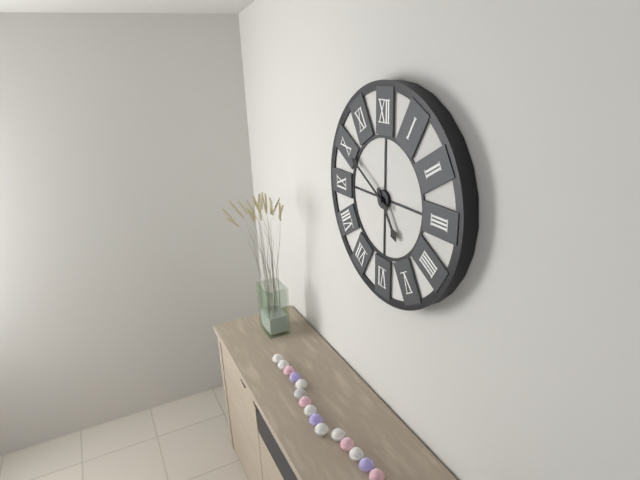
4:50
